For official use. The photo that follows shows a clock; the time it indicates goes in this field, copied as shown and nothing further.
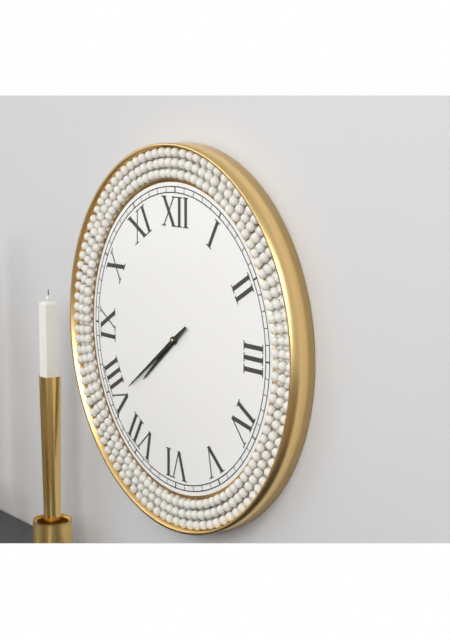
7:39
